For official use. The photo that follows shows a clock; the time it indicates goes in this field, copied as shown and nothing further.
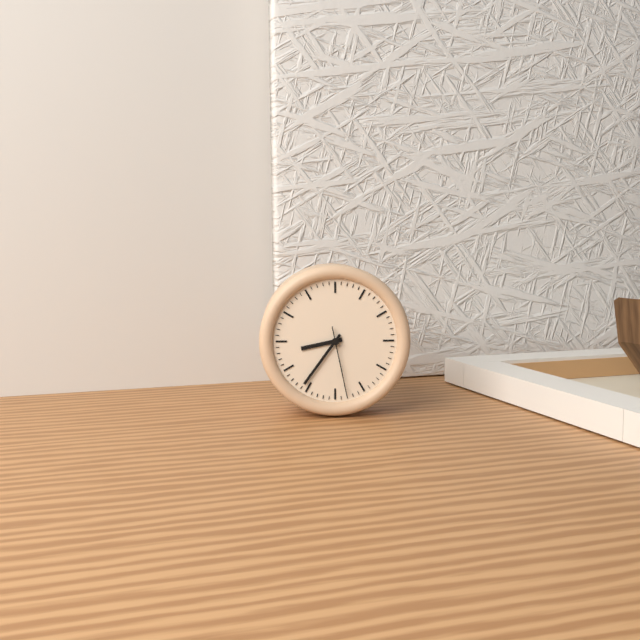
8:36:28
